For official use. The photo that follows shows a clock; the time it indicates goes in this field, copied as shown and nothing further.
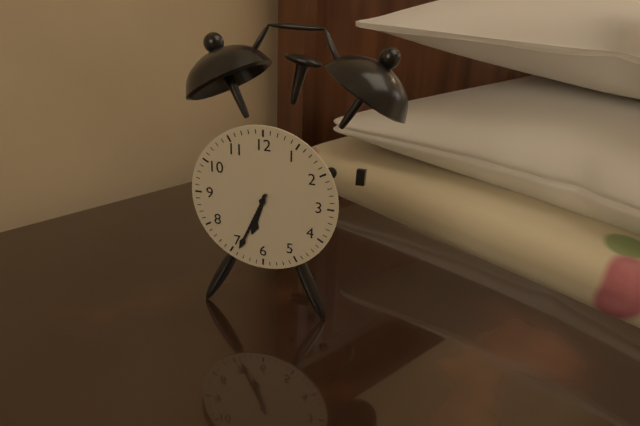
6:34
